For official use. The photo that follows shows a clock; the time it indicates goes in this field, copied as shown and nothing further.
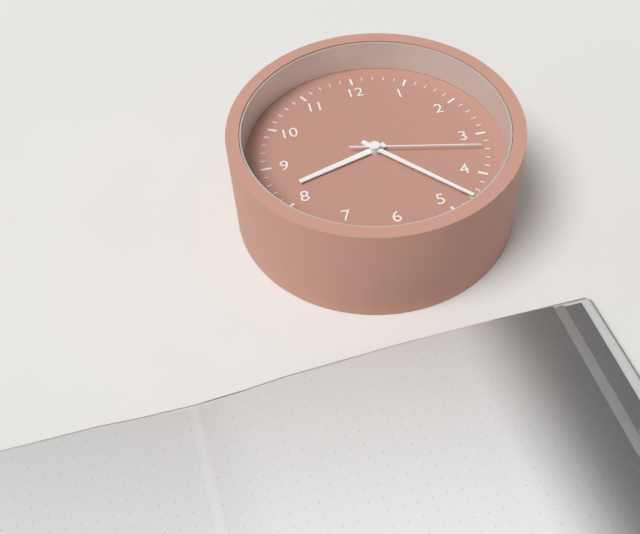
8:23:17
